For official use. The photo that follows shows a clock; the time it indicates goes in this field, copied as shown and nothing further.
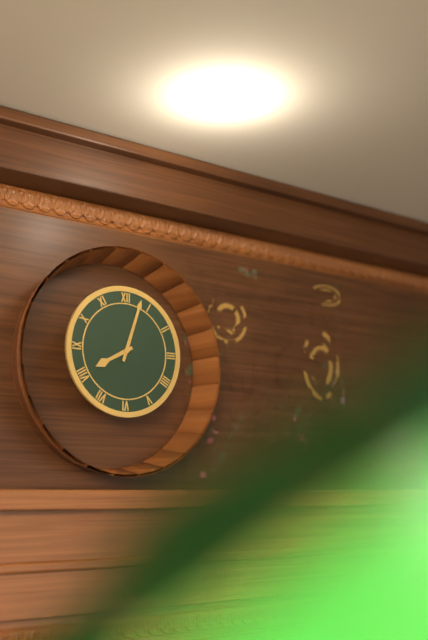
8:03
